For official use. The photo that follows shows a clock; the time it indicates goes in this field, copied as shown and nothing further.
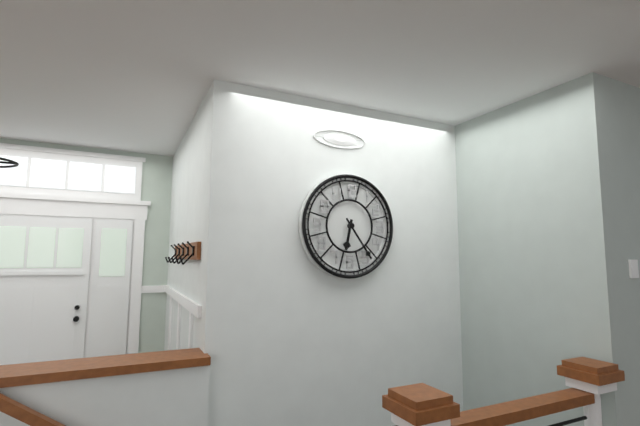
6:24
